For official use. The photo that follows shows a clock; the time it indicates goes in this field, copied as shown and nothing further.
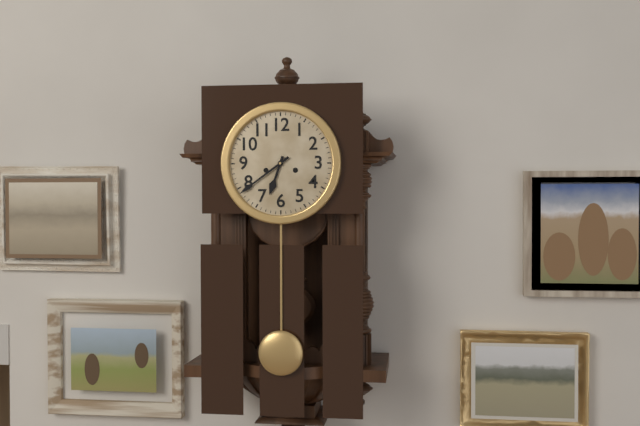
6:39
